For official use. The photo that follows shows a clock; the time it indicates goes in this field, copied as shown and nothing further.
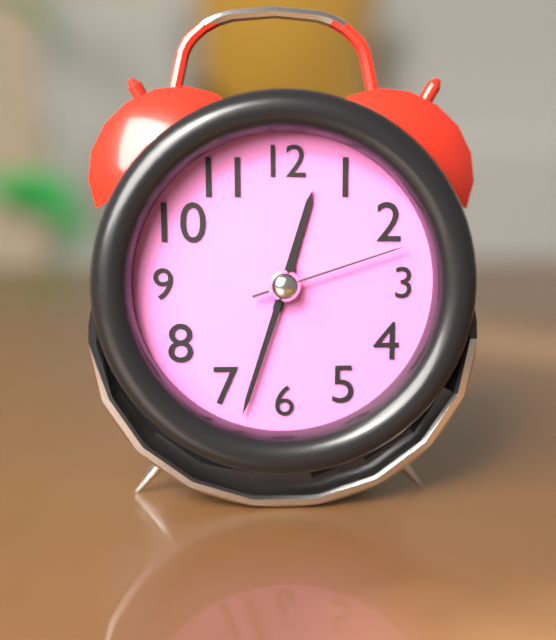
12:33:12
